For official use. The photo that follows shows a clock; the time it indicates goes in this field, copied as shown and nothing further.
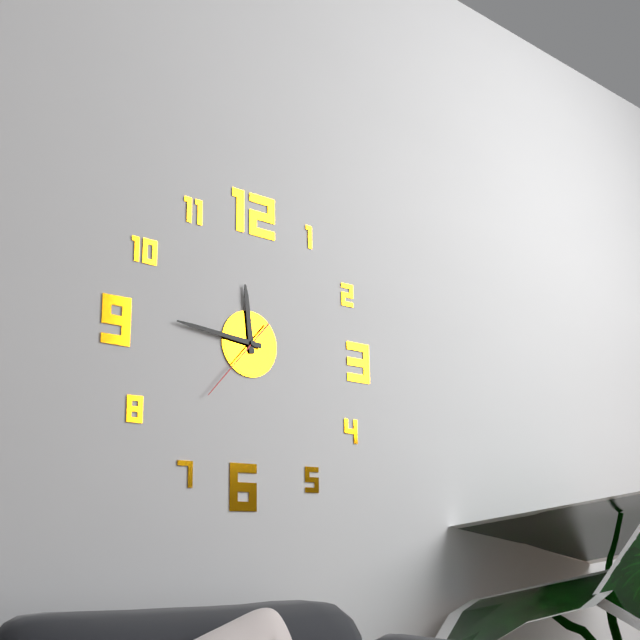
11:46:37
